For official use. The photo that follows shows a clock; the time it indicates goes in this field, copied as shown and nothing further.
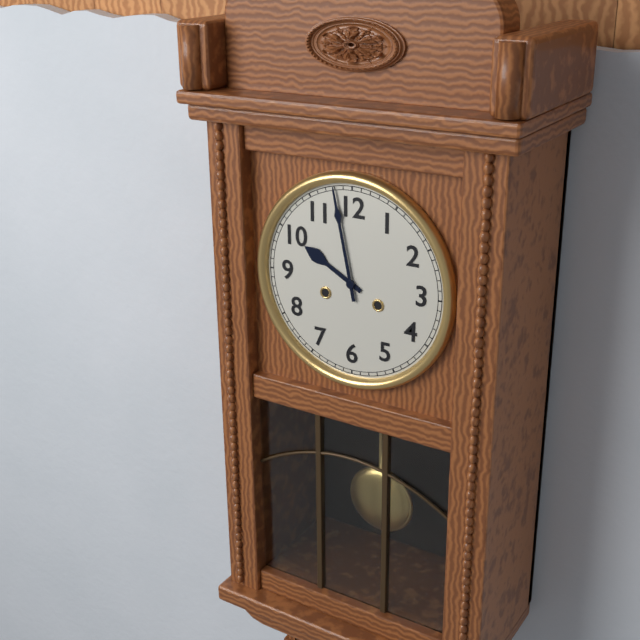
9:58
